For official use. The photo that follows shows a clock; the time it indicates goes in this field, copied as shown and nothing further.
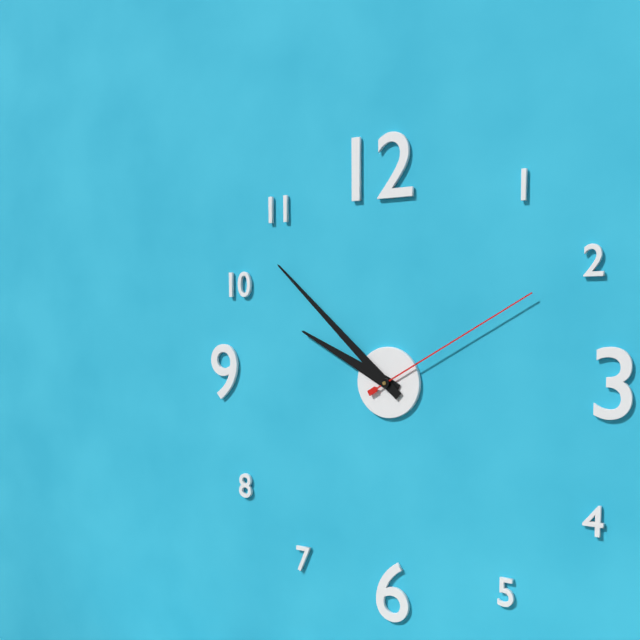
9:52:10
